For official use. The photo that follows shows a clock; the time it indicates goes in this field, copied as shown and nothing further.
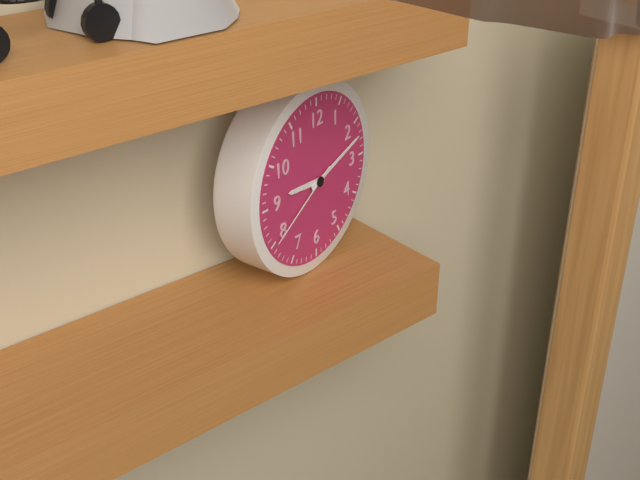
9:12:40
